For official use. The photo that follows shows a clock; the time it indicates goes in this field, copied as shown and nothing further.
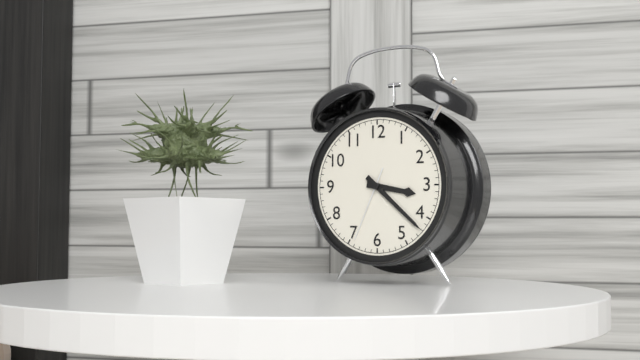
3:22:34
